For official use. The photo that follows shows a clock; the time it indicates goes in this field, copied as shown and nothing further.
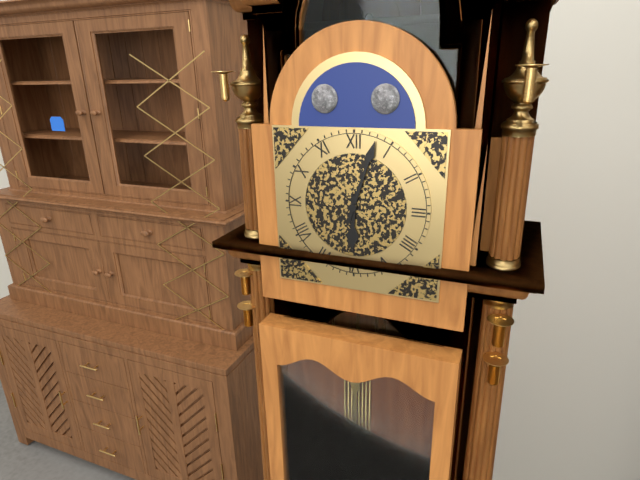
6:03
